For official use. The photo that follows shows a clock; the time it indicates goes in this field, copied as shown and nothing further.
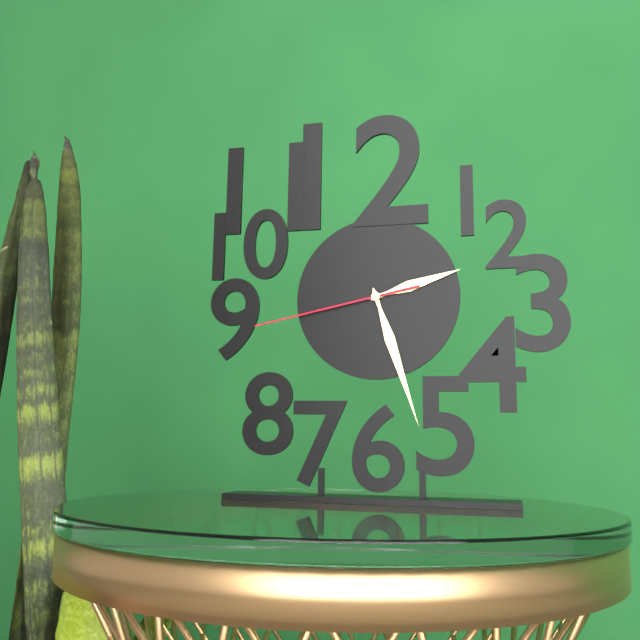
2:27:43
